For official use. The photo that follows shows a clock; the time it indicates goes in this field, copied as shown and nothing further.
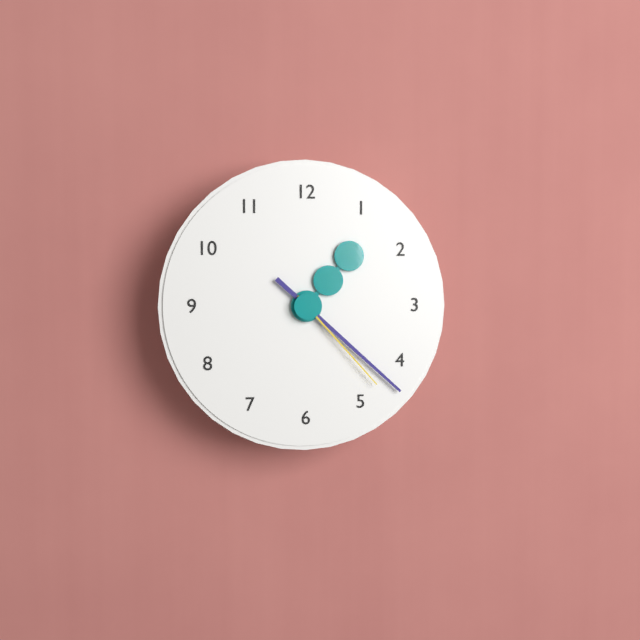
1:22:23
